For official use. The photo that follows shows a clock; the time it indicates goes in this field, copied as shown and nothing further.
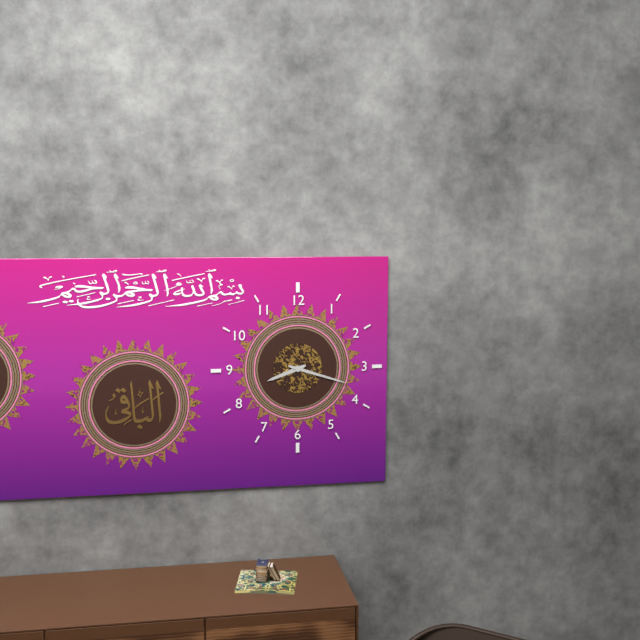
8:18
